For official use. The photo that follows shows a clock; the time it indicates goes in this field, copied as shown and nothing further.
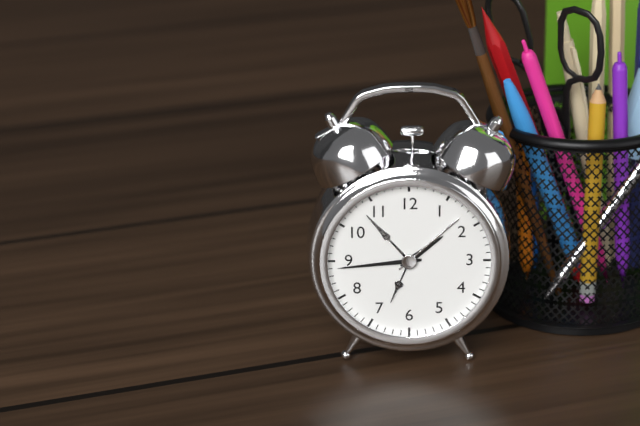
1:44
